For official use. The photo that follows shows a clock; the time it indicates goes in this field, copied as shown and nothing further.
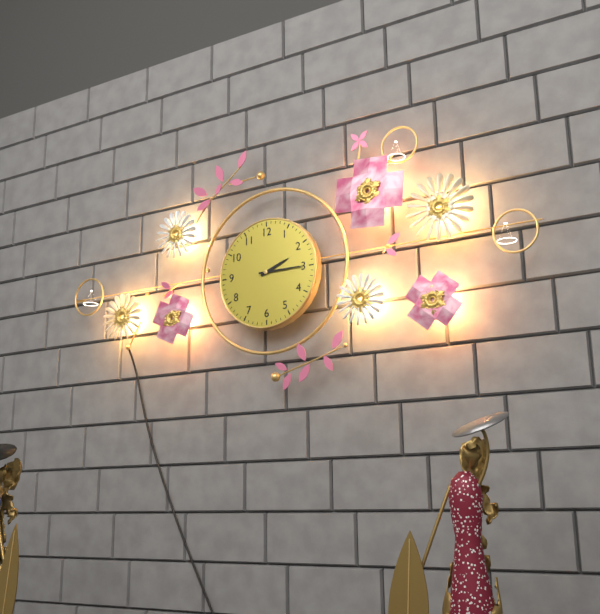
2:15
